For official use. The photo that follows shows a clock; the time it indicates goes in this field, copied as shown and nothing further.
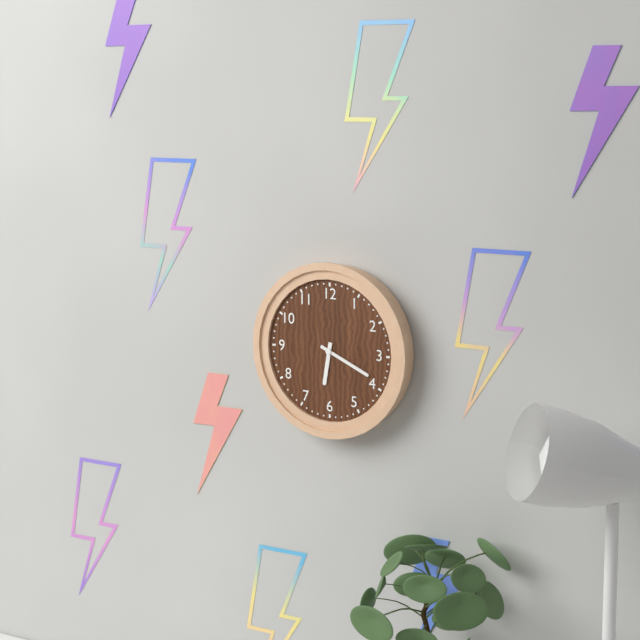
6:19
